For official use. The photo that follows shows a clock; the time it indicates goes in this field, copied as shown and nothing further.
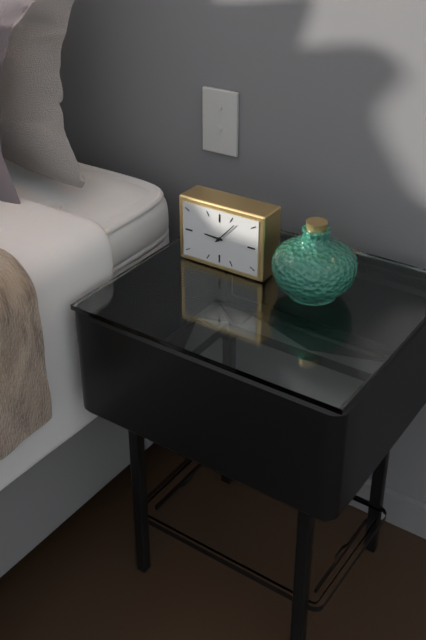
9:07
